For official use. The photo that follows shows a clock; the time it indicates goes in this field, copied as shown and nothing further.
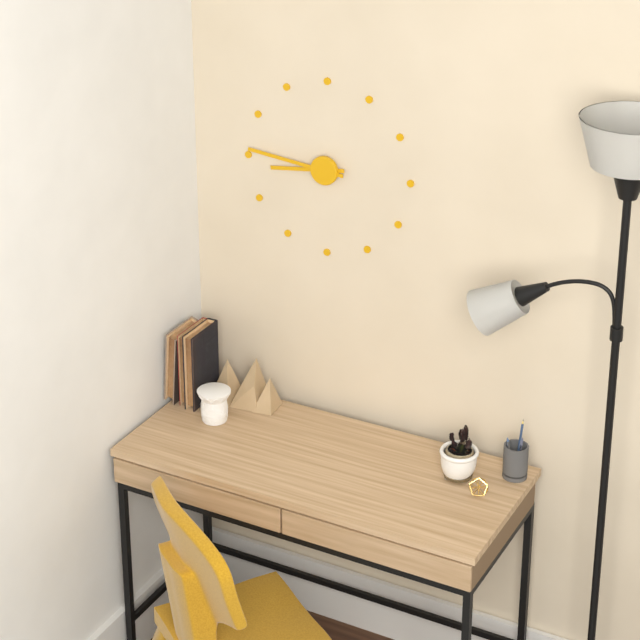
8:46
